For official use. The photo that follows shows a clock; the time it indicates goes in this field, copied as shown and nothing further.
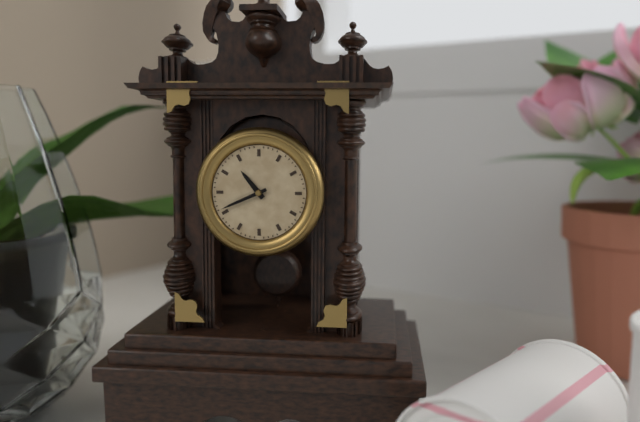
10:41
